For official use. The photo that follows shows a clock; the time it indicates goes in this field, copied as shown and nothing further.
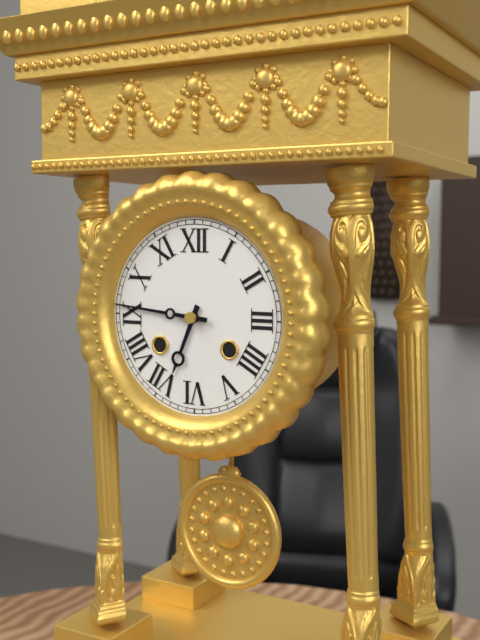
6:46
